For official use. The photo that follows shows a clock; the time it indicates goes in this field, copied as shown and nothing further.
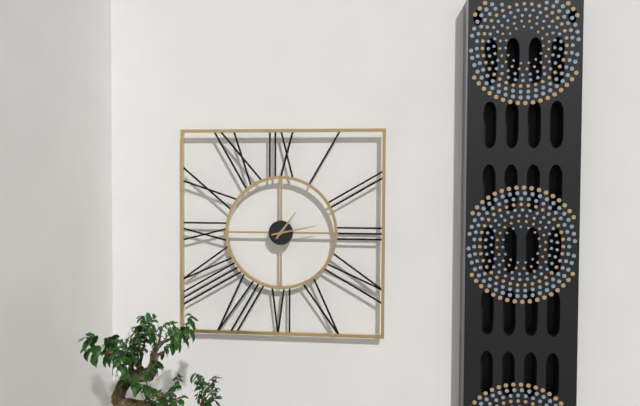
1:13
